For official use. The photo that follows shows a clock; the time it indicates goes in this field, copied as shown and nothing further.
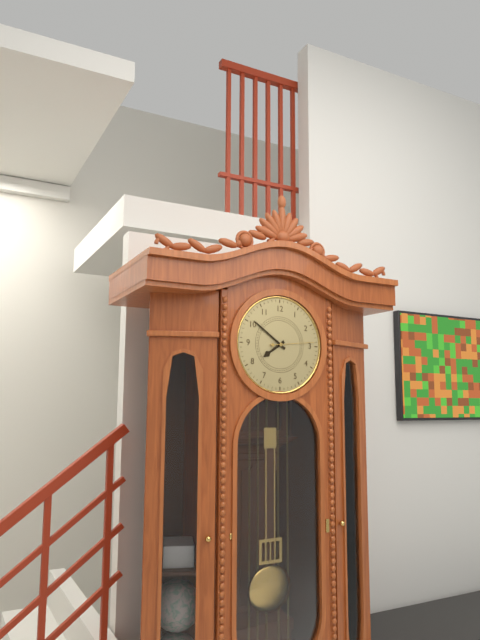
7:51
